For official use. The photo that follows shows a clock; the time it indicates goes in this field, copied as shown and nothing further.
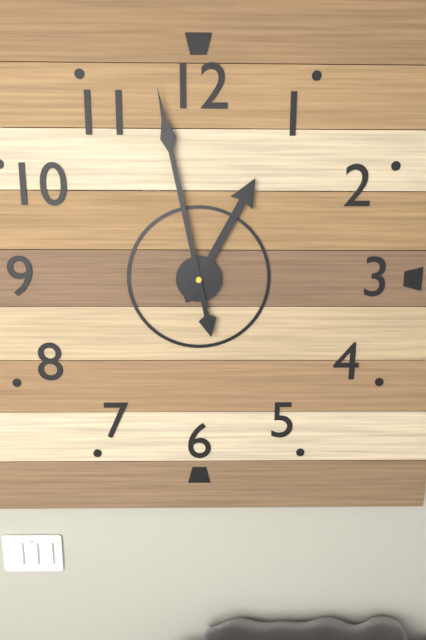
12:58
